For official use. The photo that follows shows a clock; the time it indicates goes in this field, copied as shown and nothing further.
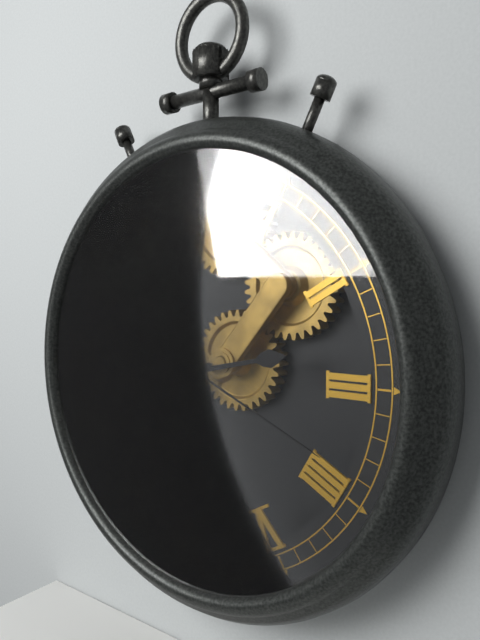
8:13:19
